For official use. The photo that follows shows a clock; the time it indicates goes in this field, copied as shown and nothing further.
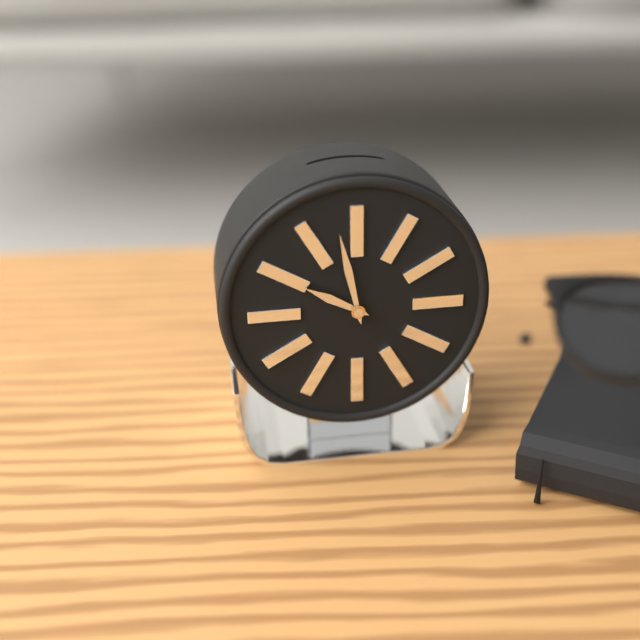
9:58
